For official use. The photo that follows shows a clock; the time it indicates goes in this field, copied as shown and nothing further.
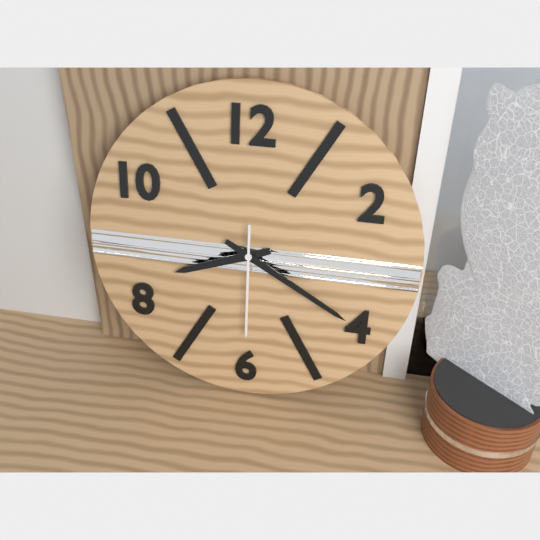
8:20:30
